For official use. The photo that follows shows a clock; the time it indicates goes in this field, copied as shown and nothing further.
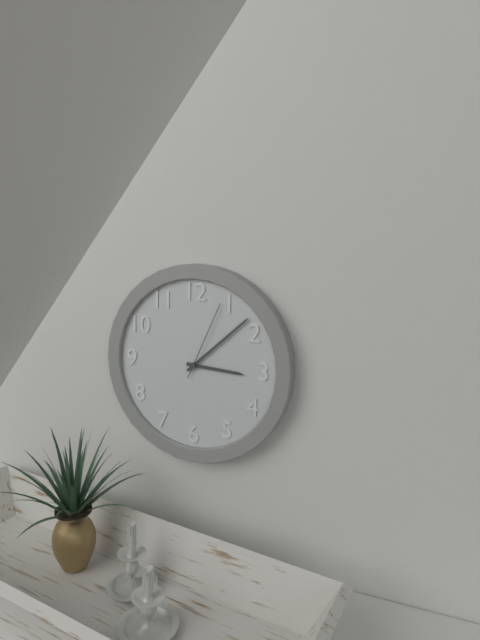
3:08:04
